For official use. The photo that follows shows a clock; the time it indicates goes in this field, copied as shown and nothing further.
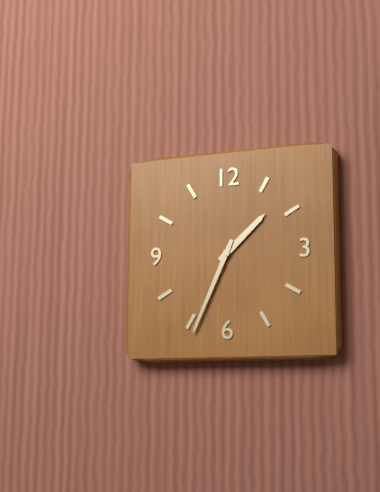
1:34
